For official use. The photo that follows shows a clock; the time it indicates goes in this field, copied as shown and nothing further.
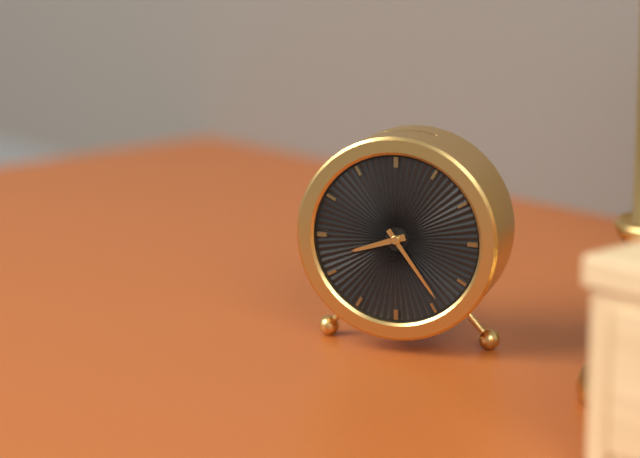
8:24
